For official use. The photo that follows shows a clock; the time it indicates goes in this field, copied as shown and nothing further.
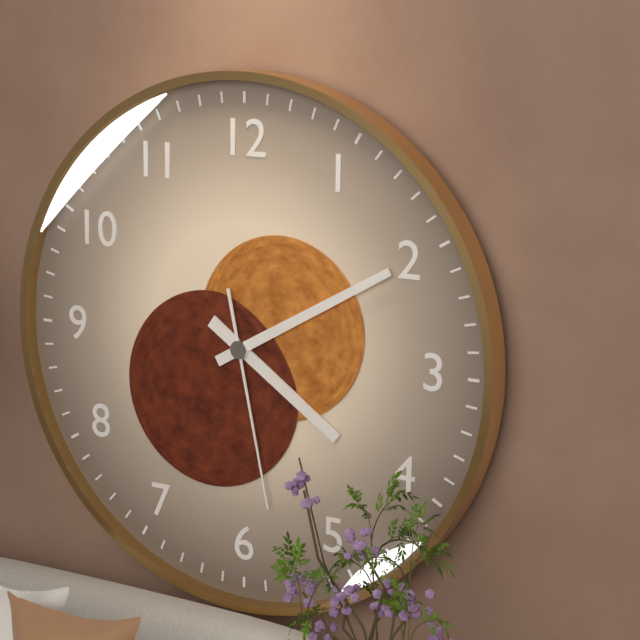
4:10:28
